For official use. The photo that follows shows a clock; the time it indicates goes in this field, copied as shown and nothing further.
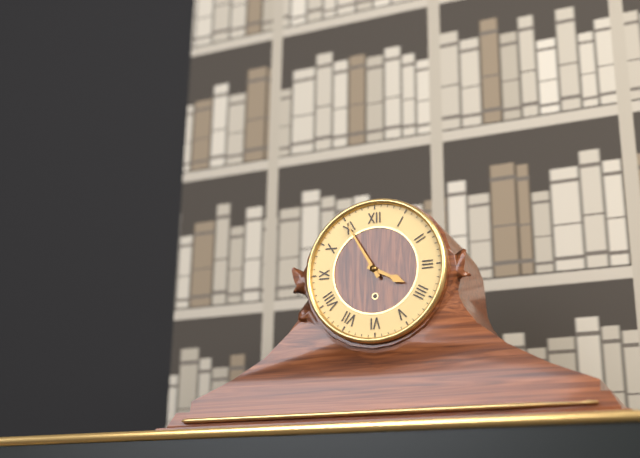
3:55
